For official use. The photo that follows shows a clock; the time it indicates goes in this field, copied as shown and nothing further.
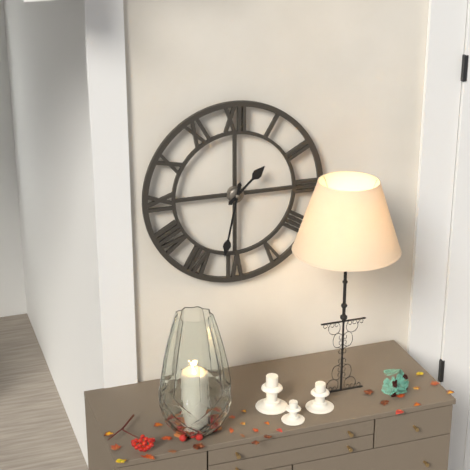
1:32
